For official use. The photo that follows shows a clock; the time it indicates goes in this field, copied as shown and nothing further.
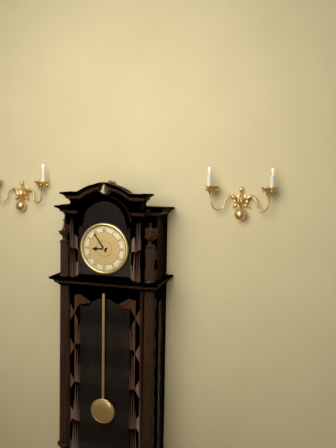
8:54
